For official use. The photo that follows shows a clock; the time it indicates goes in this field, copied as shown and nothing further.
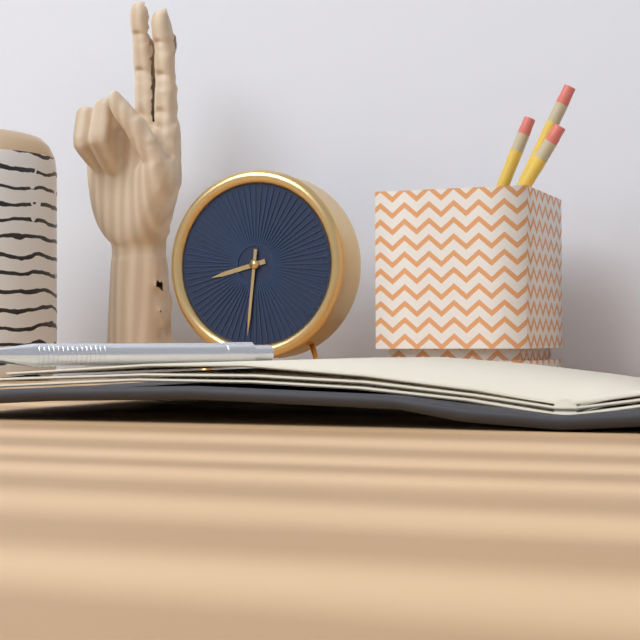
8:31
